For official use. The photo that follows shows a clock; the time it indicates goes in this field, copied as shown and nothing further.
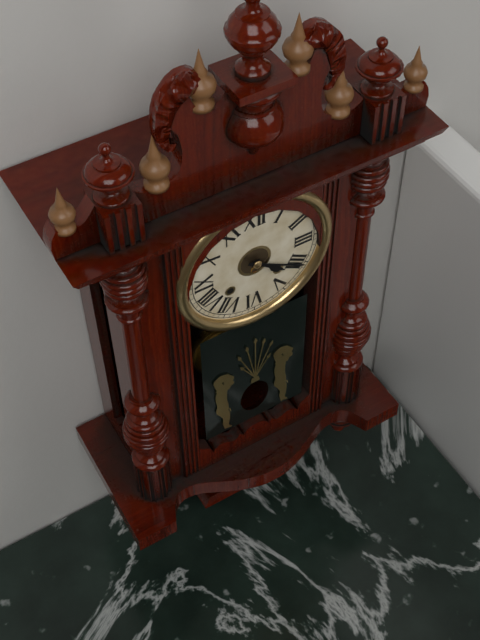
4:20
